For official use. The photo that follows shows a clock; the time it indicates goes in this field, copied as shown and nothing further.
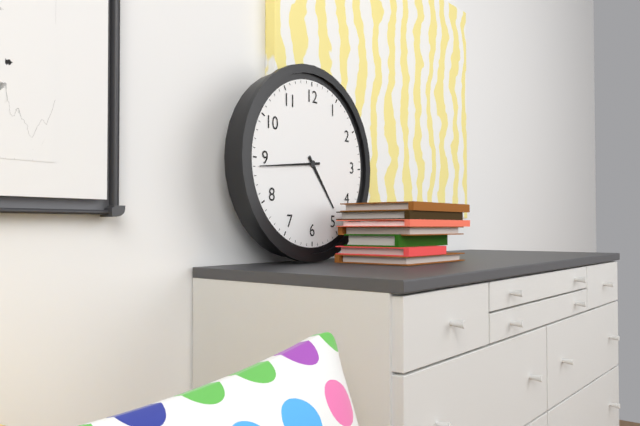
4:44
